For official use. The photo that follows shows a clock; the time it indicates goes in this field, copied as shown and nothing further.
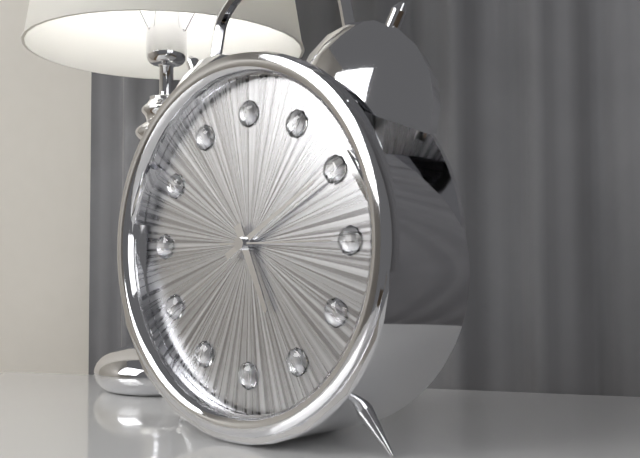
5:10:15
